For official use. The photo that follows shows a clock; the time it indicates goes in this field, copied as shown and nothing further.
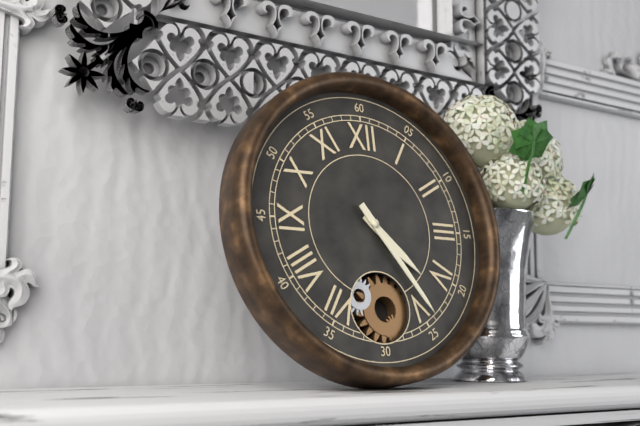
4:24
